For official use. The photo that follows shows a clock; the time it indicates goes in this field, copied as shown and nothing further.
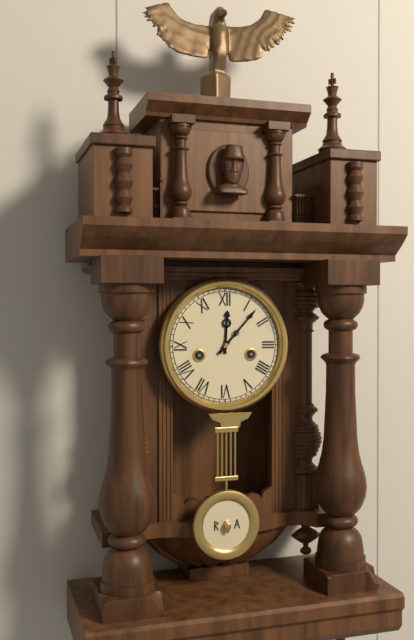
12:07
